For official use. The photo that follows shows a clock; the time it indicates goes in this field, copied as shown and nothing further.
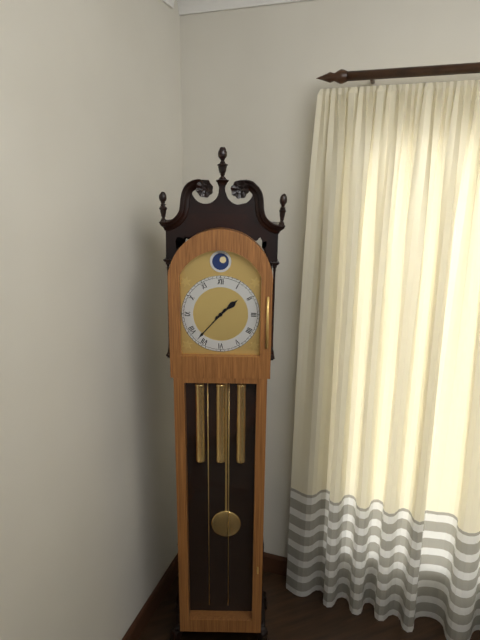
1:37
